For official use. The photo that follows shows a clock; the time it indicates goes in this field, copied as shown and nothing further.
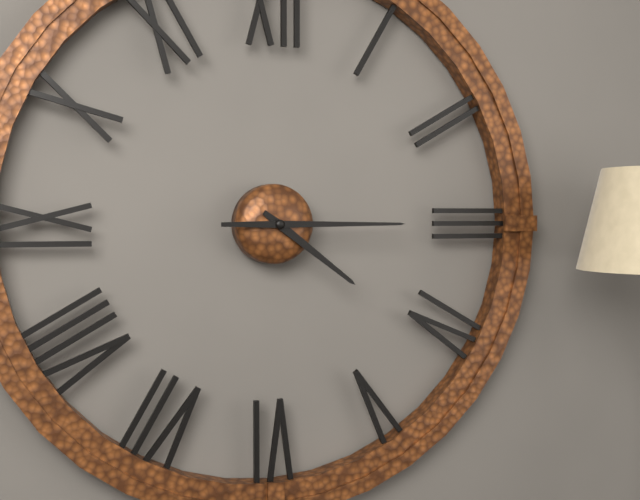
4:15
